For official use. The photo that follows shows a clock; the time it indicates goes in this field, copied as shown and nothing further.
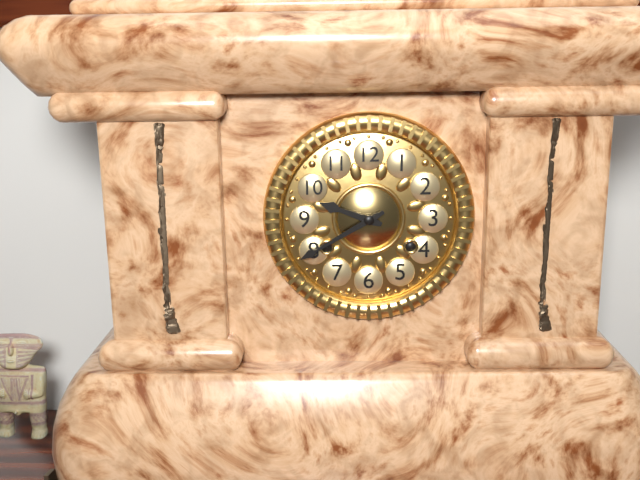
9:40
